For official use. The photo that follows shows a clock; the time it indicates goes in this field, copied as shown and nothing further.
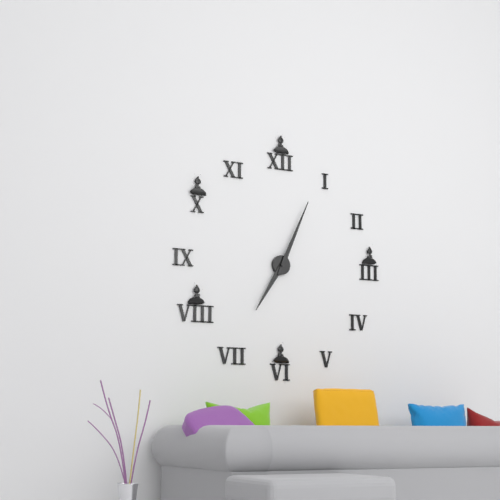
7:04
